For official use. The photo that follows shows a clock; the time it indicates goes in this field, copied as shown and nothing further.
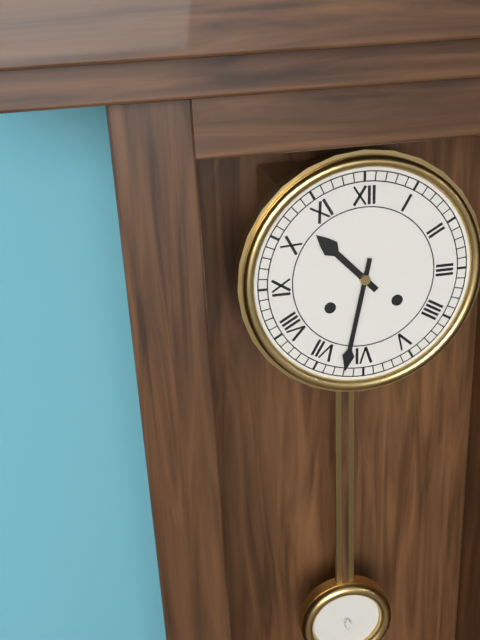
10:32
